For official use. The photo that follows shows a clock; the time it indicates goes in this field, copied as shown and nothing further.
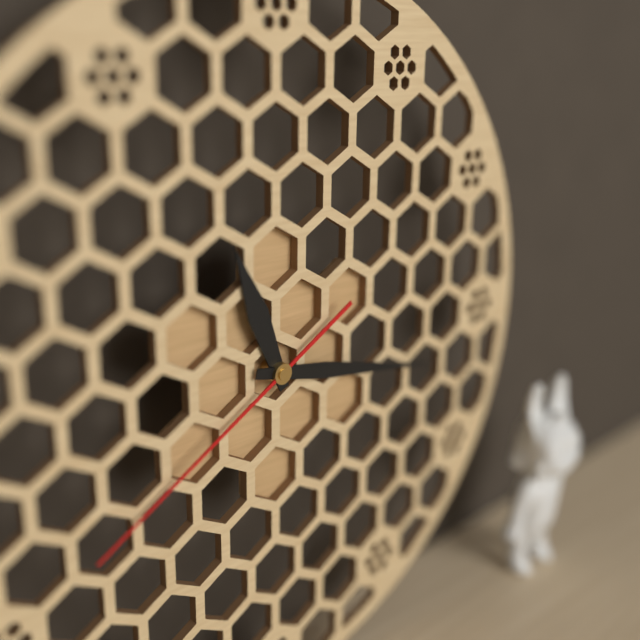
11:17:40
